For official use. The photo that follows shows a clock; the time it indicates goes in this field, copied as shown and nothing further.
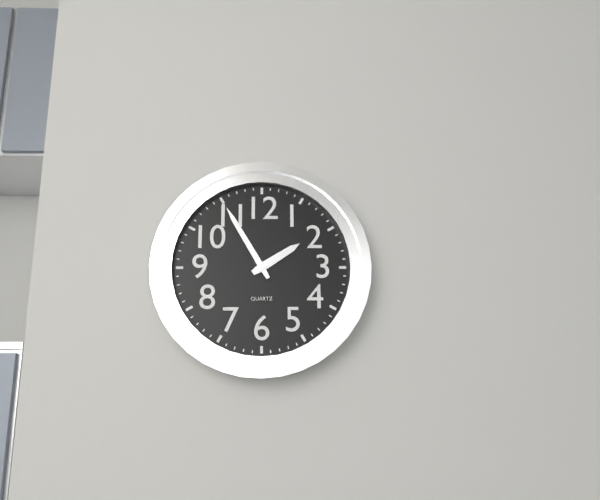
1:55
